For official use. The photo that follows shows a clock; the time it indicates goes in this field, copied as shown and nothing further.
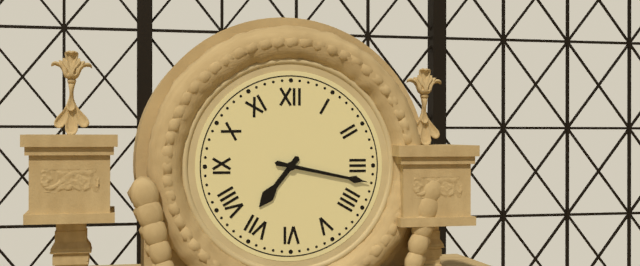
7:17
